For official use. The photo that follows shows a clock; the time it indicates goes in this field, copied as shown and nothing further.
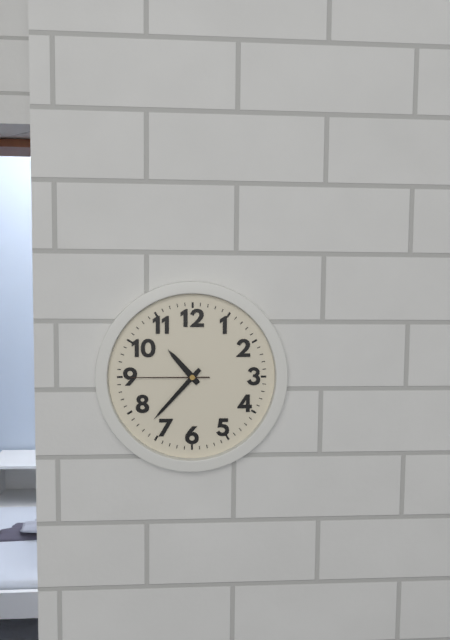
10:37:45
